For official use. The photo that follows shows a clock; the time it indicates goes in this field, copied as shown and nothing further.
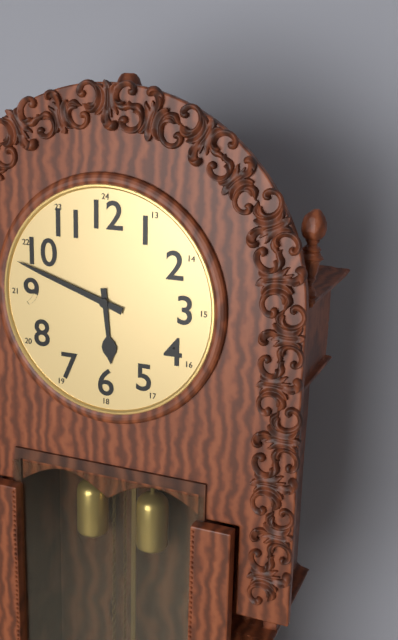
5:48
